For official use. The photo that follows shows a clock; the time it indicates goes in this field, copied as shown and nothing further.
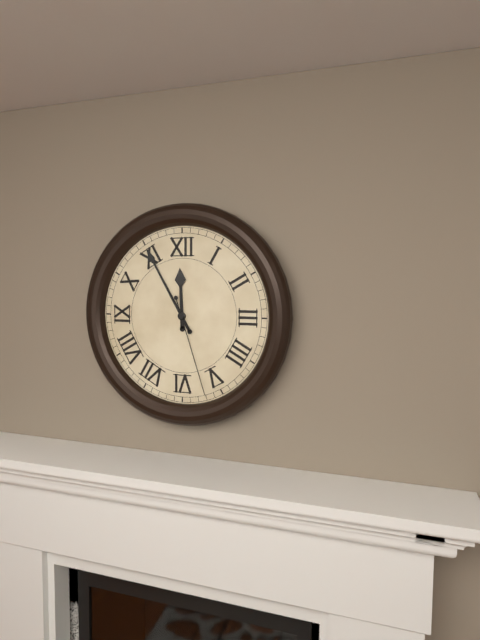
11:55:27
